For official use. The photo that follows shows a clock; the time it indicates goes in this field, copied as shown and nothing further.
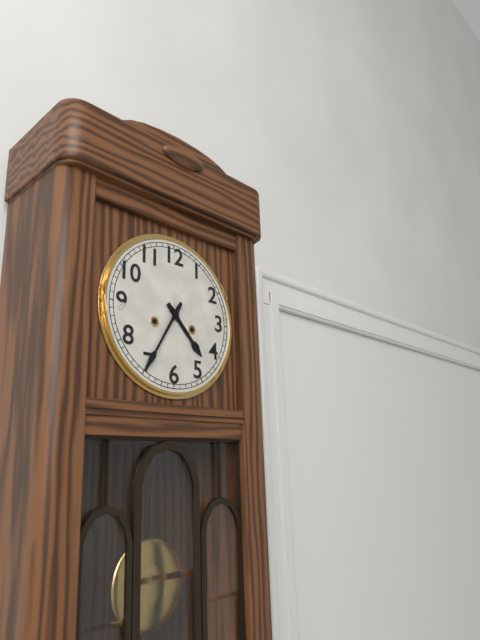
4:35
